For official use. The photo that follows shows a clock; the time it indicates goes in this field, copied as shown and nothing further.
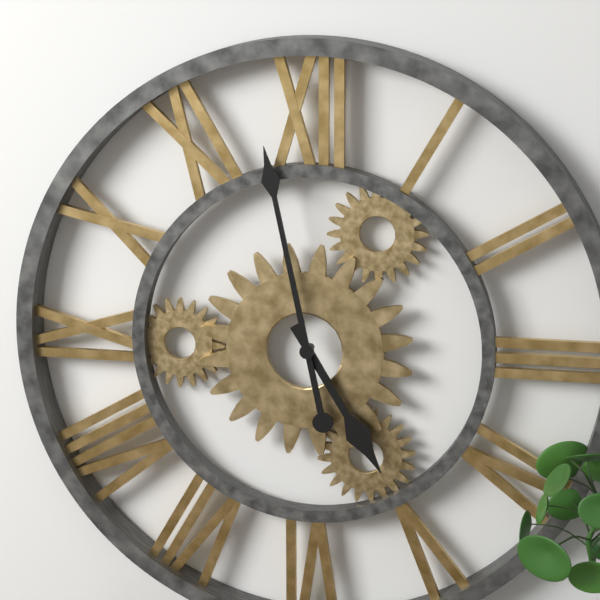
4:58
